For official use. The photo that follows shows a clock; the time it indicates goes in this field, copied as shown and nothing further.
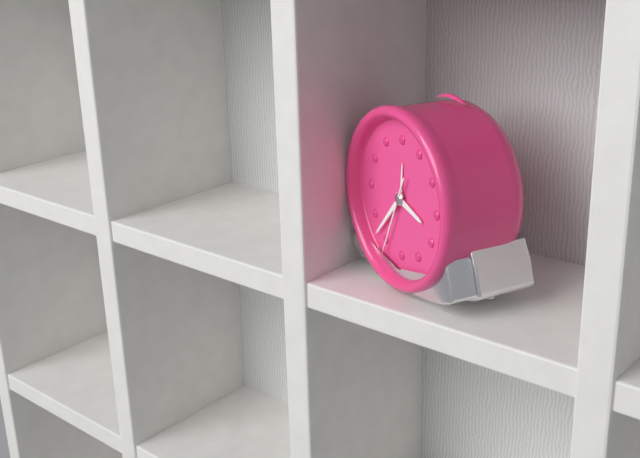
3:37:34
